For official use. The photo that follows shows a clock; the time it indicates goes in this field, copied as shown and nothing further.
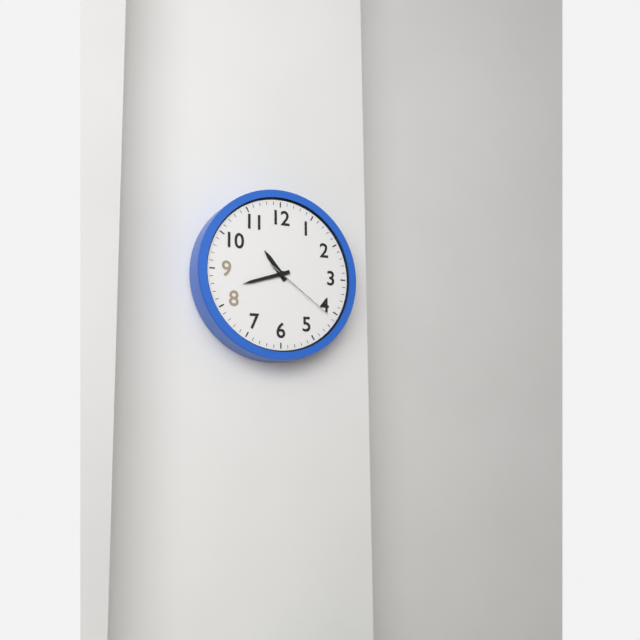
10:42:21
